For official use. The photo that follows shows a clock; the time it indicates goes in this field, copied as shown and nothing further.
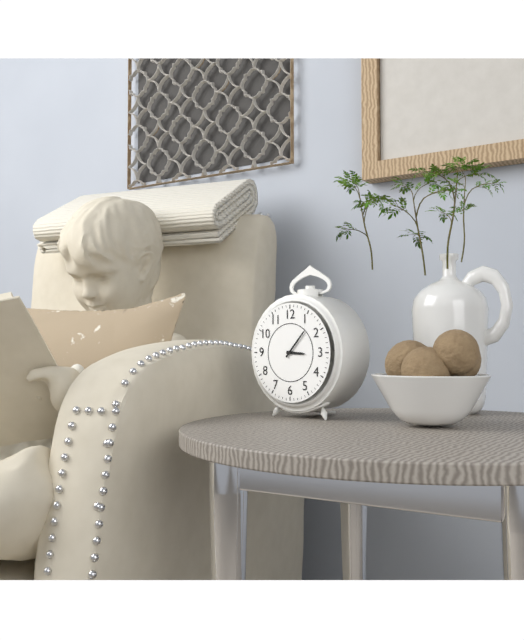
3:07
